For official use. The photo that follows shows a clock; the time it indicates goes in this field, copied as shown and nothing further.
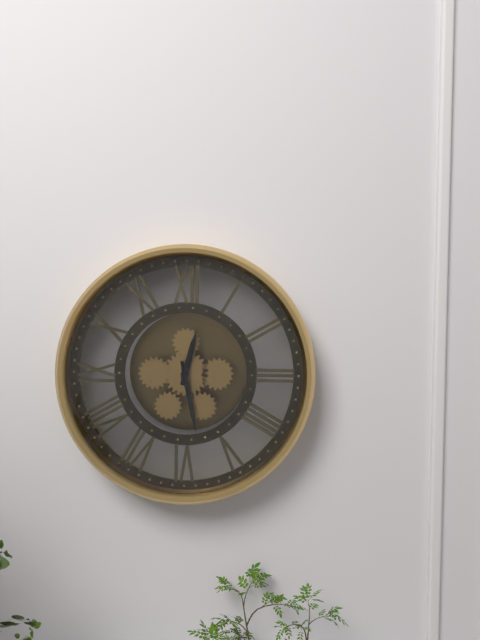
12:28
